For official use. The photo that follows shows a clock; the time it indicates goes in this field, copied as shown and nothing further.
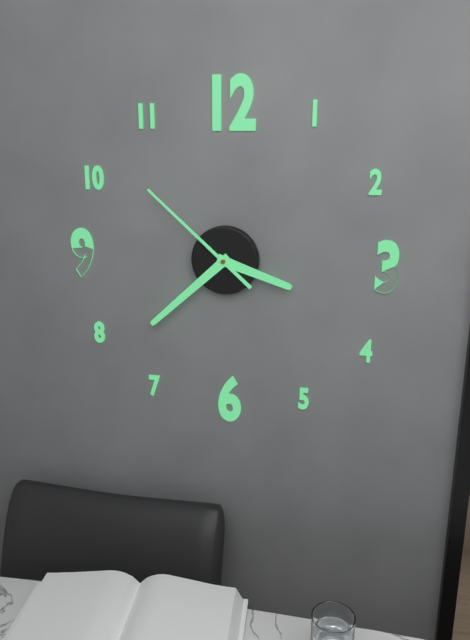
3:38:52
